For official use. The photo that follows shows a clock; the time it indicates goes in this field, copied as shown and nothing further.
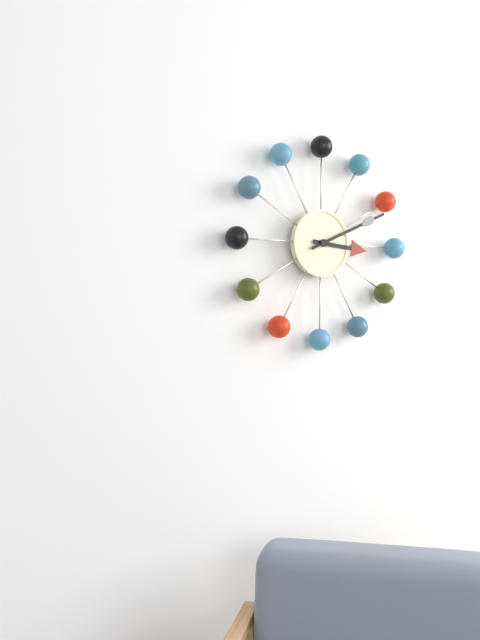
3:11
